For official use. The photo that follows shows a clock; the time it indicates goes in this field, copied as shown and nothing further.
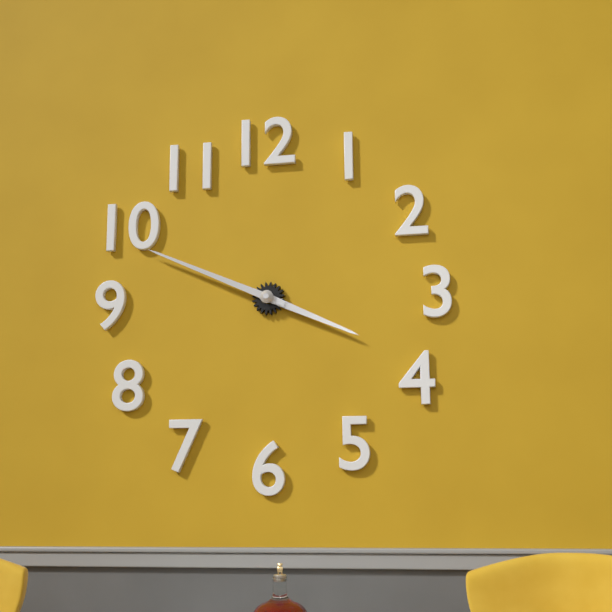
3:49
